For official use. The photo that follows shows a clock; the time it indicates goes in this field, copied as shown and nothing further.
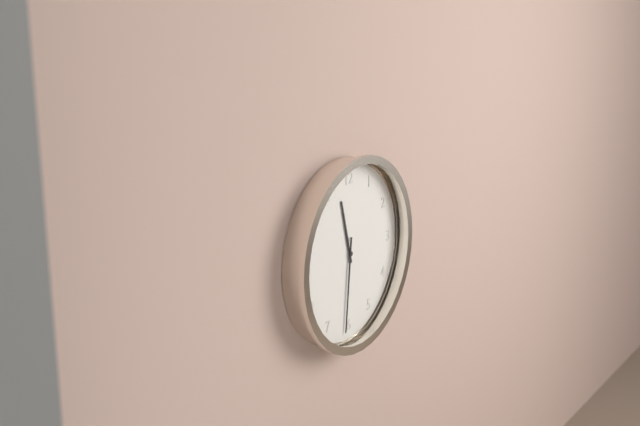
11:31
